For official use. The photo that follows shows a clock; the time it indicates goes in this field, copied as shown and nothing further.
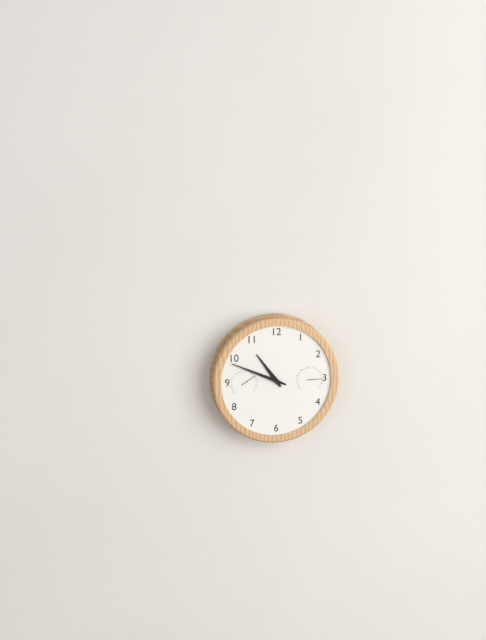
10:49
